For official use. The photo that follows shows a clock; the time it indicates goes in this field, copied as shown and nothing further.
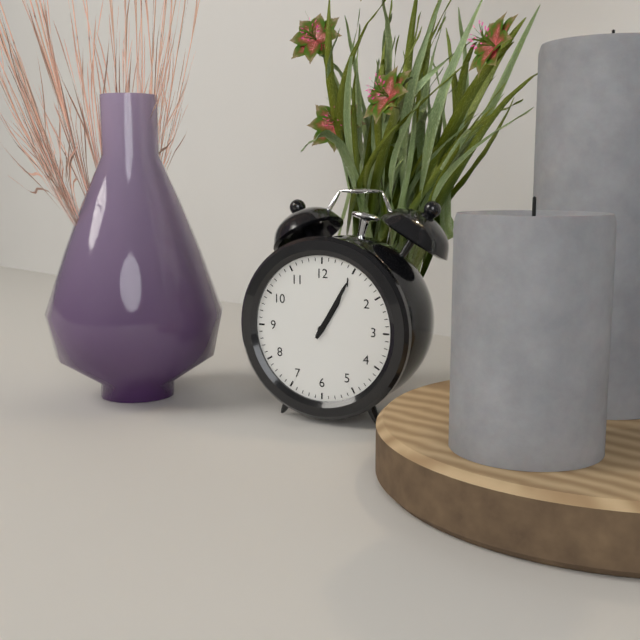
1:05
